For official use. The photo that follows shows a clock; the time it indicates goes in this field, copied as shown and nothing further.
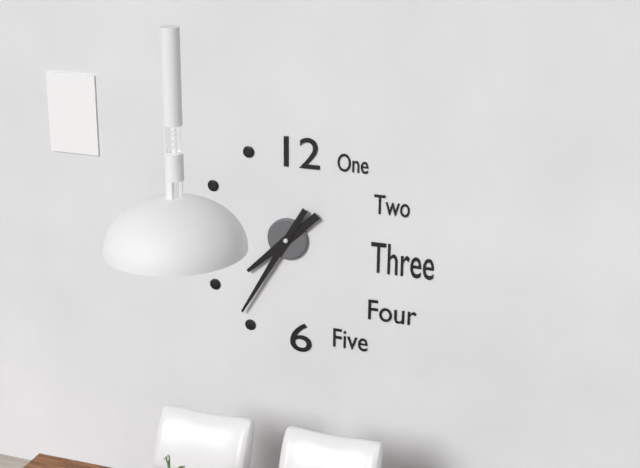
7:35
